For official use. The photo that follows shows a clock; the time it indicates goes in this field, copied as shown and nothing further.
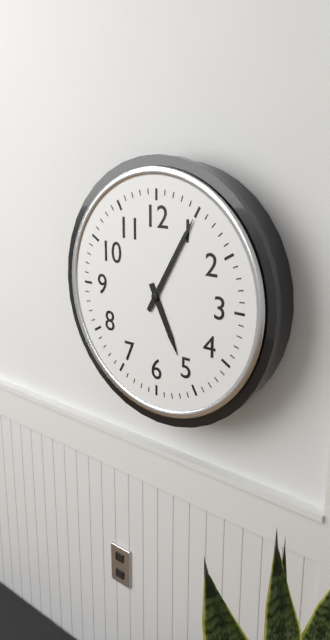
5:05
